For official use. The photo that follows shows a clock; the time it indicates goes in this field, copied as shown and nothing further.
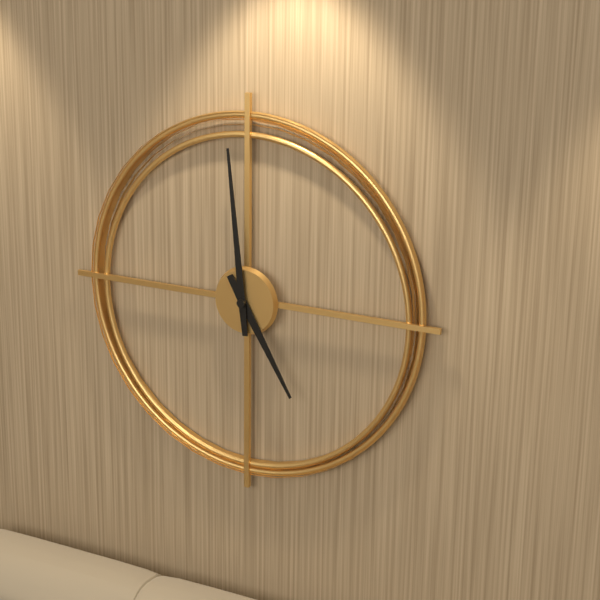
4:59
